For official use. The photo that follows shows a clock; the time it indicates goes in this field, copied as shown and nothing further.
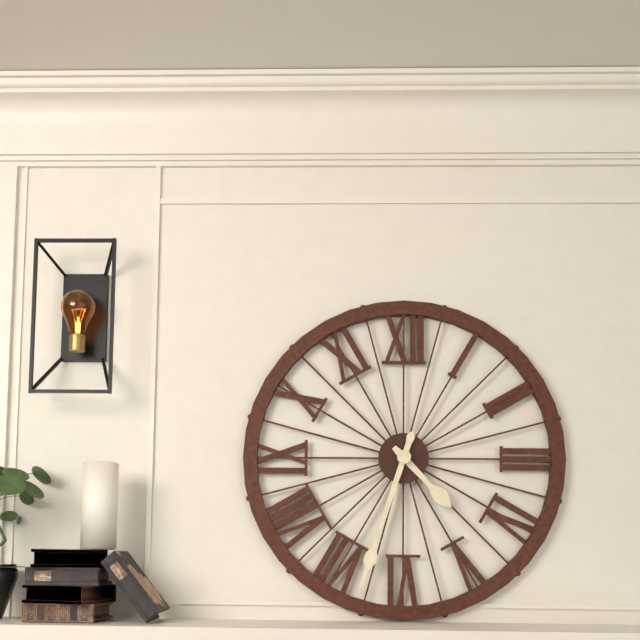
4:33
